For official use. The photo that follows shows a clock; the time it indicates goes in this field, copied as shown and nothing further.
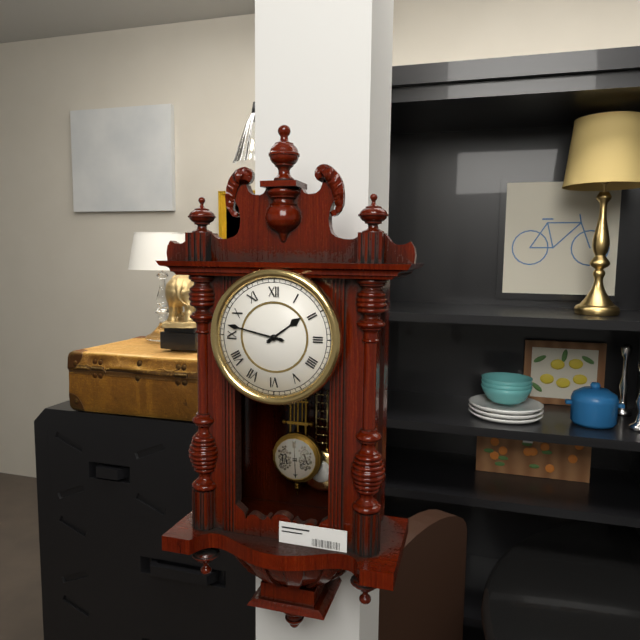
1:47
